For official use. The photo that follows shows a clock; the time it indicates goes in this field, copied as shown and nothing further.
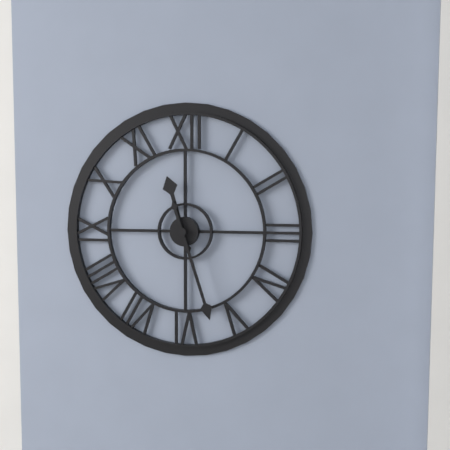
11:27
